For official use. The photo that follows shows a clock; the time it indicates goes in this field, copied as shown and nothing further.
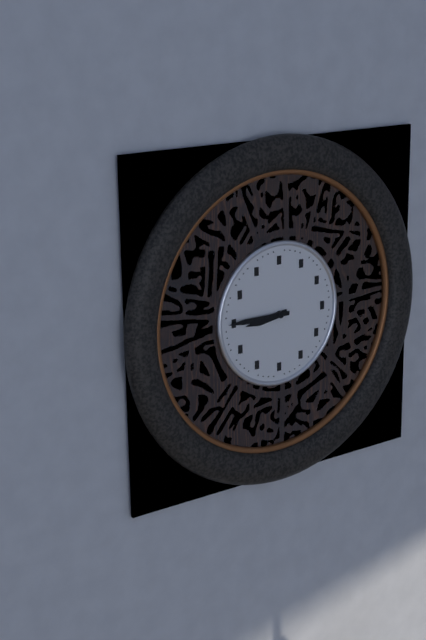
8:45
